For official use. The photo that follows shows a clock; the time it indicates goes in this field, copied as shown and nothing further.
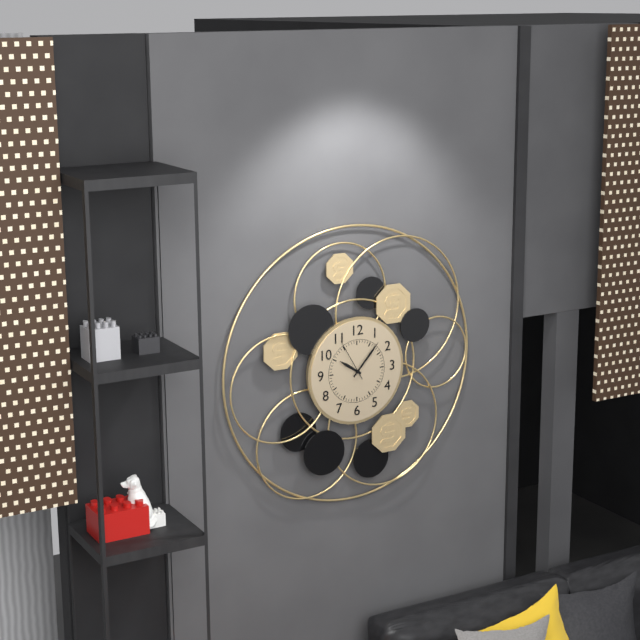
10:07
